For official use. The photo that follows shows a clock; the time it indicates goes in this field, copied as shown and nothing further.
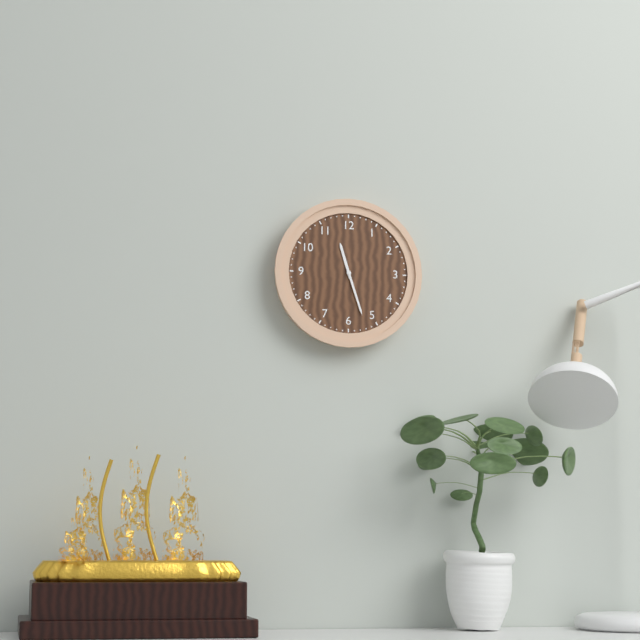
11:27
